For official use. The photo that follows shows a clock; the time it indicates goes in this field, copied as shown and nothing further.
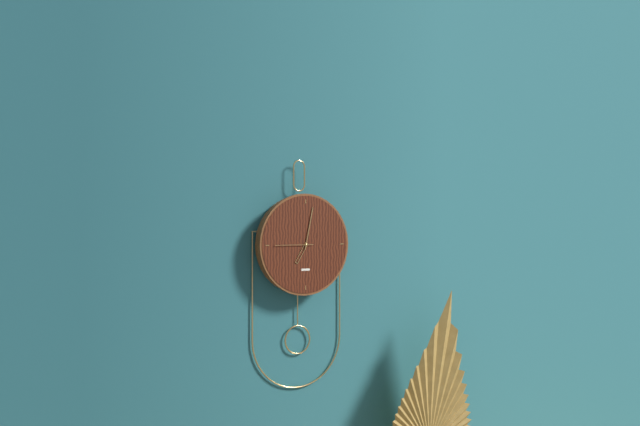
7:02
